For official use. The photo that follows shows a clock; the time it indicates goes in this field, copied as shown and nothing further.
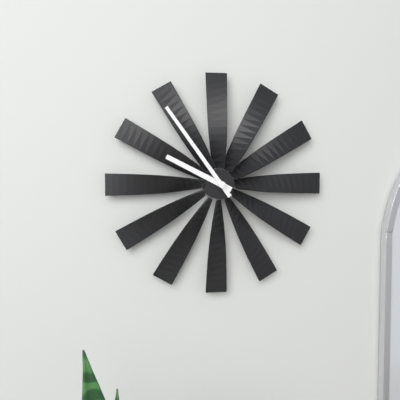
9:54
